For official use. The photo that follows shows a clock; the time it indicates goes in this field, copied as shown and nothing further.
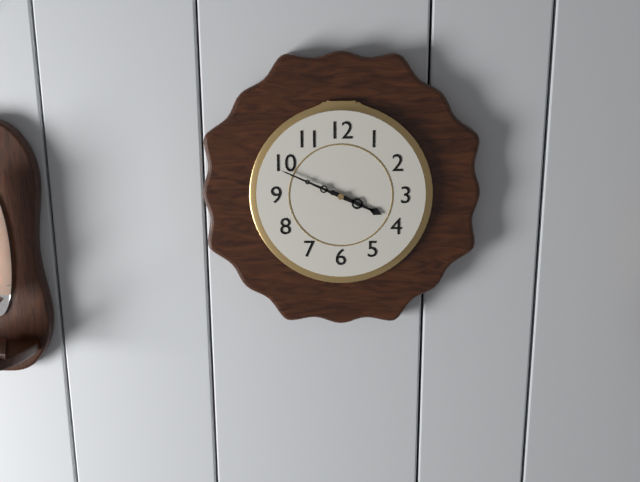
3:49
